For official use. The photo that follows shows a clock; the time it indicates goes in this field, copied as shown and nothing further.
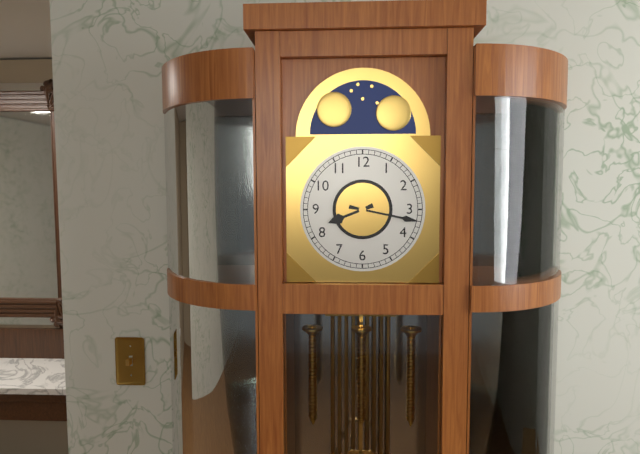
8:17
